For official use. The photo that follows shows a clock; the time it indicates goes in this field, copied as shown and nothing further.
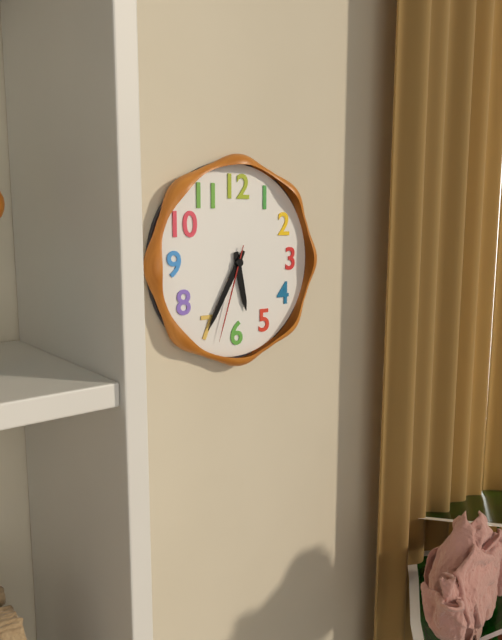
5:35:33
